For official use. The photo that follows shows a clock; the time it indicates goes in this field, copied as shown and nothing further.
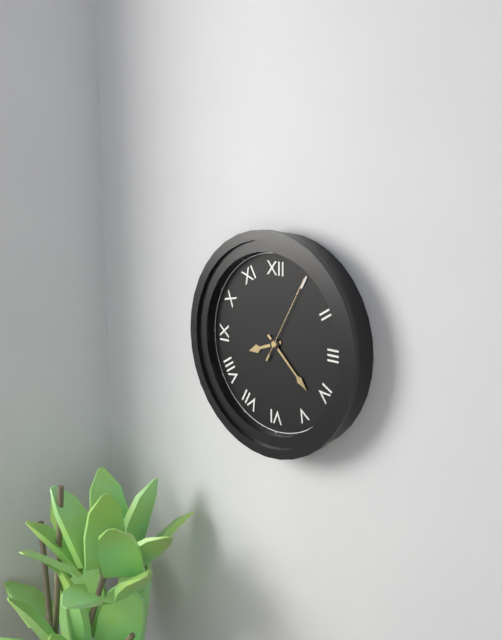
8:22:05
